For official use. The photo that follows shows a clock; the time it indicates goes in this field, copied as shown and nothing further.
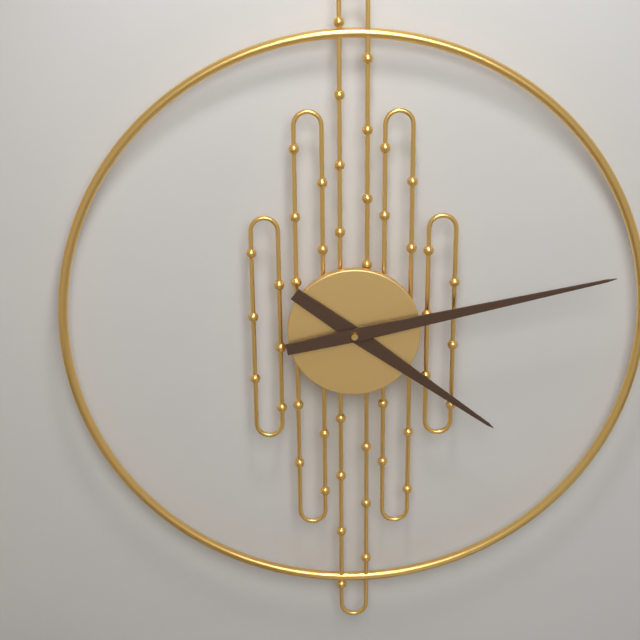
4:13
